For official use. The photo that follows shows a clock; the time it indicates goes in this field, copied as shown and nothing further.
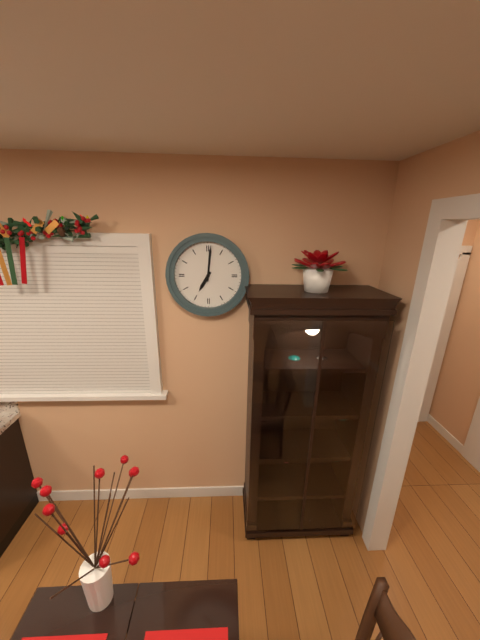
7:01
